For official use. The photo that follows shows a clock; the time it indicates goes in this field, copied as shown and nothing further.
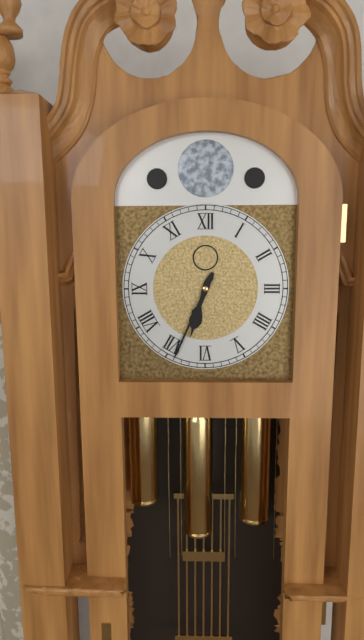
6:34
